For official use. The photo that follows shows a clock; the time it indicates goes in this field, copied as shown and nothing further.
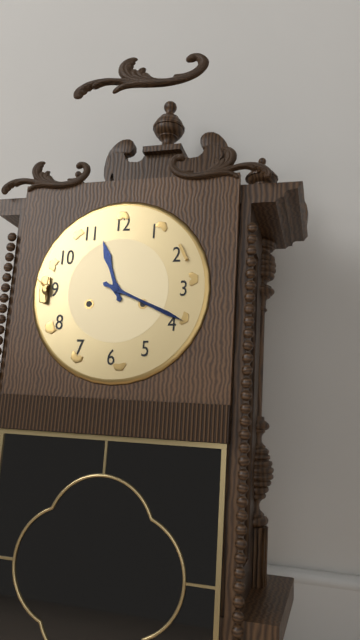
11:19
